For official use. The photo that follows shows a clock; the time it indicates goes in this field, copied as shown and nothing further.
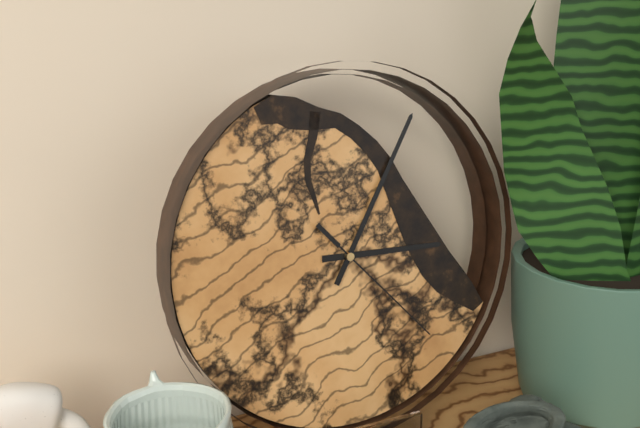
3:05:23
